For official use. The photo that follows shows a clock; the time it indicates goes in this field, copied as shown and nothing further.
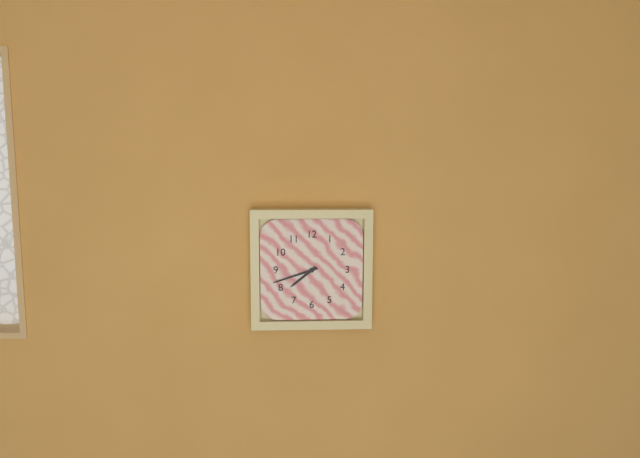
7:42
